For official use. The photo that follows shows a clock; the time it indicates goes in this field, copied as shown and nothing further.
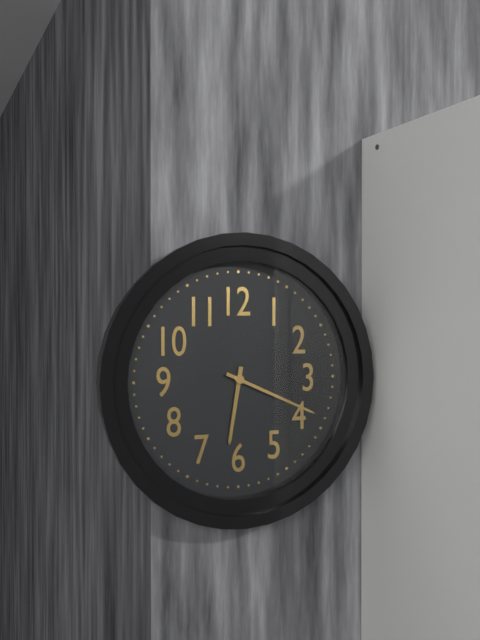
6:19
